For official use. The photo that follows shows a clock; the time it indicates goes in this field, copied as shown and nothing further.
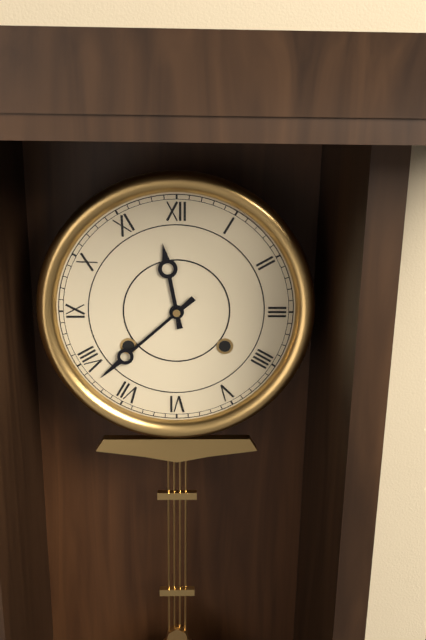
11:38
